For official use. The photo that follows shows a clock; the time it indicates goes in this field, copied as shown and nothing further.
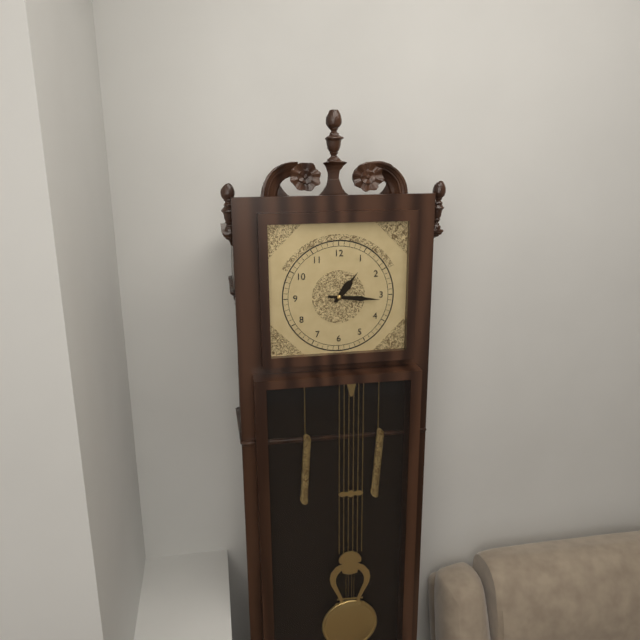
1:16
